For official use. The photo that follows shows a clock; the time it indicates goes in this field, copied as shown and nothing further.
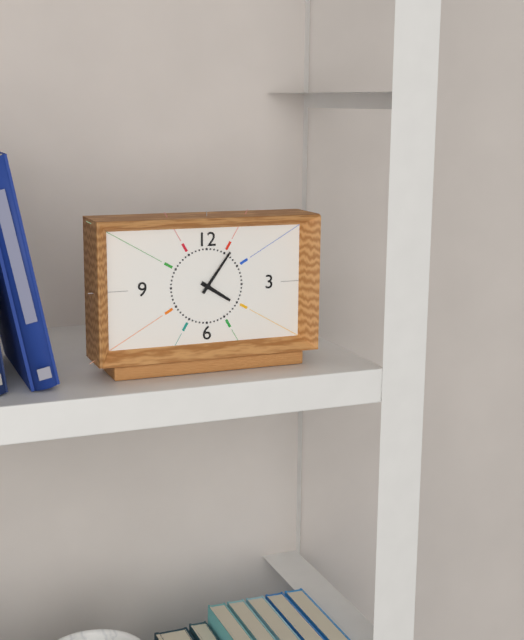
4:06
